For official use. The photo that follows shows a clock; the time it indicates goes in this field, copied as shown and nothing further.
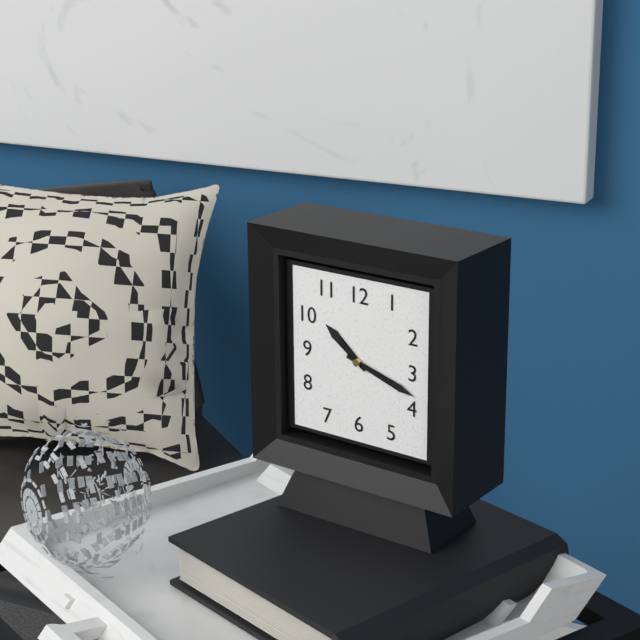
10:18
